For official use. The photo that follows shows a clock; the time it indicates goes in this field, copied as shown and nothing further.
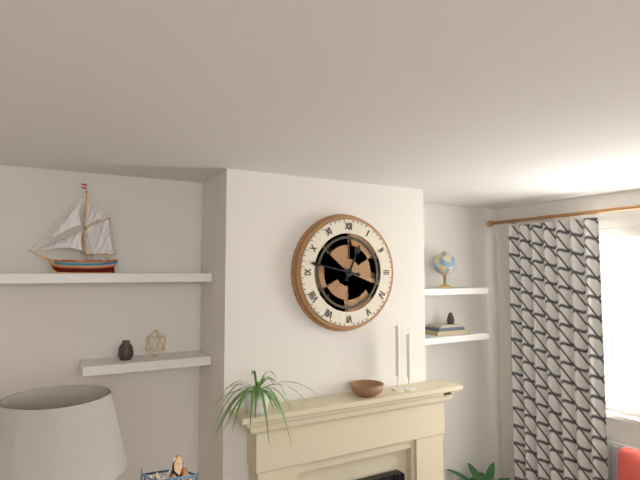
12:47
